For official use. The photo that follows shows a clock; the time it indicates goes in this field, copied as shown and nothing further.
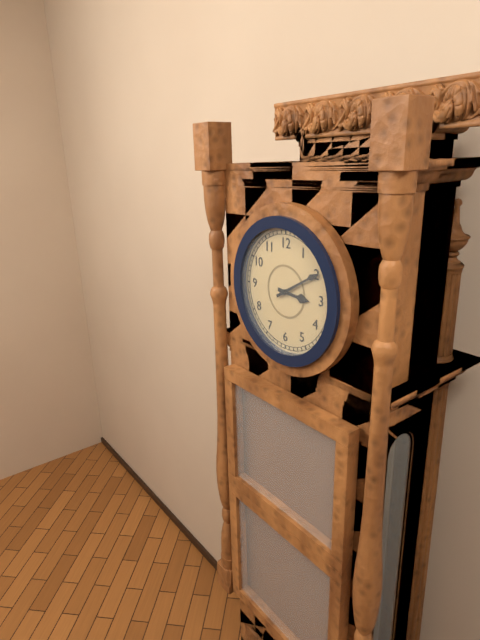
3:10
